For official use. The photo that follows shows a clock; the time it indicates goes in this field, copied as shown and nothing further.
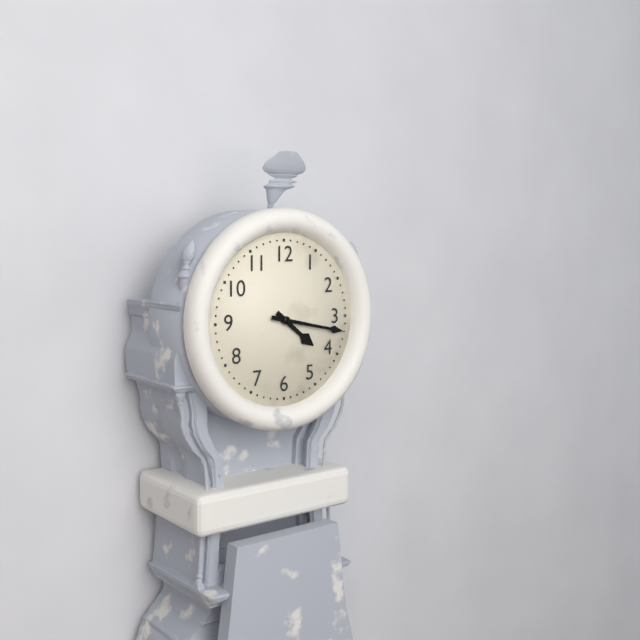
4:17
